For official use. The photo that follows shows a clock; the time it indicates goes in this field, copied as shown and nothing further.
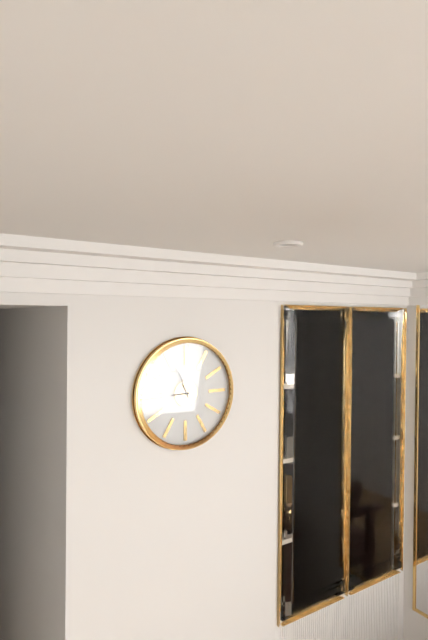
8:56
